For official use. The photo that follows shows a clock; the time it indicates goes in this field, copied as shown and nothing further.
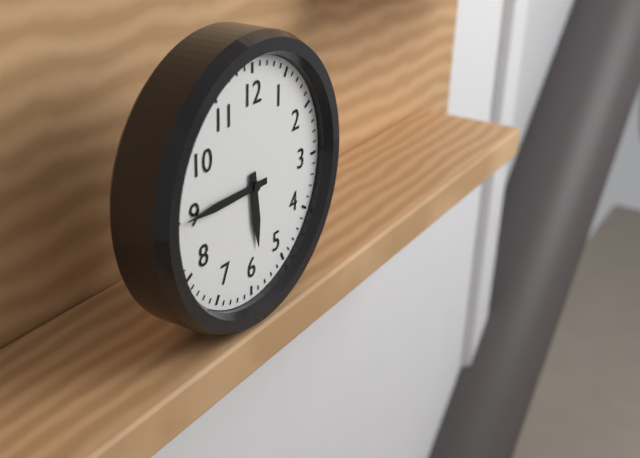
5:45
